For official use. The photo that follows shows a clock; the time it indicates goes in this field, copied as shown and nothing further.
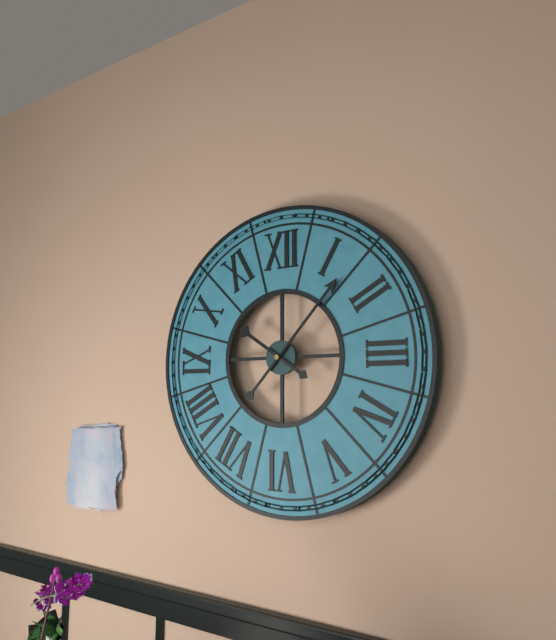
10:07
